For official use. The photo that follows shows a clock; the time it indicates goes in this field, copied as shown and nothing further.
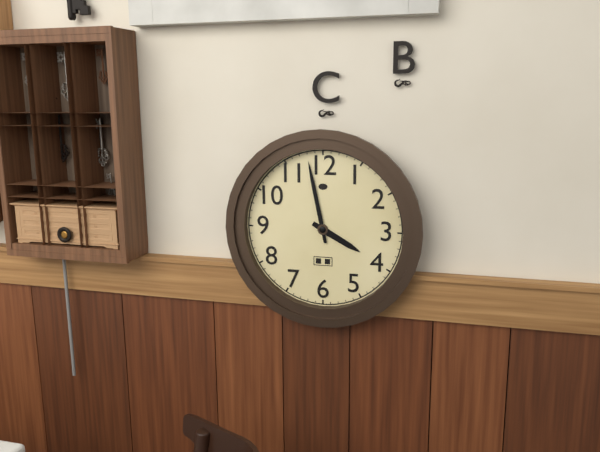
3:58
